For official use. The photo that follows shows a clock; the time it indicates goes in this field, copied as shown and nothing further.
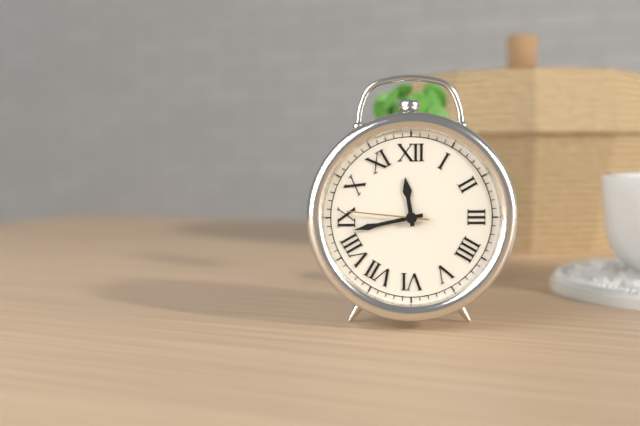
11:43:46
